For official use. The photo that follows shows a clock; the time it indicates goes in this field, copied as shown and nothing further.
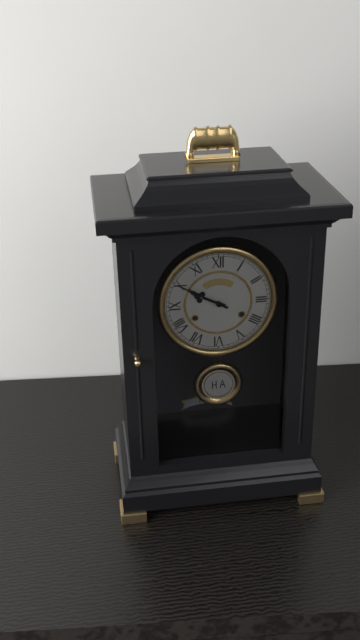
9:50
